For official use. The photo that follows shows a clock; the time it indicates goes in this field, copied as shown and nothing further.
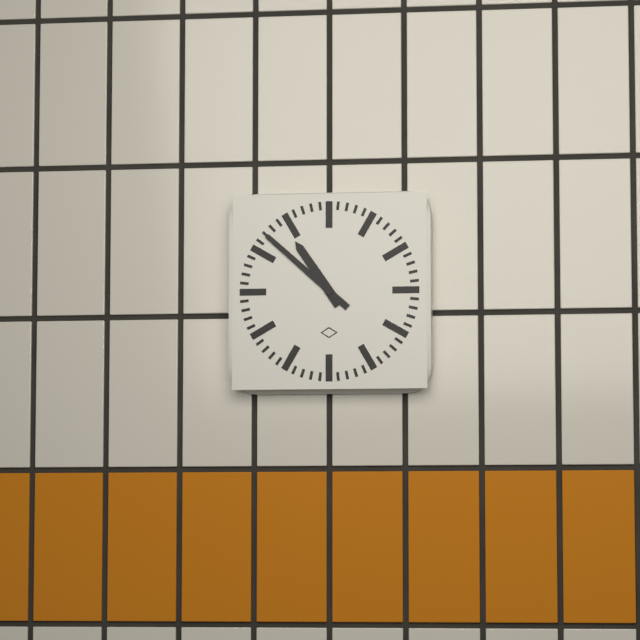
10:52
